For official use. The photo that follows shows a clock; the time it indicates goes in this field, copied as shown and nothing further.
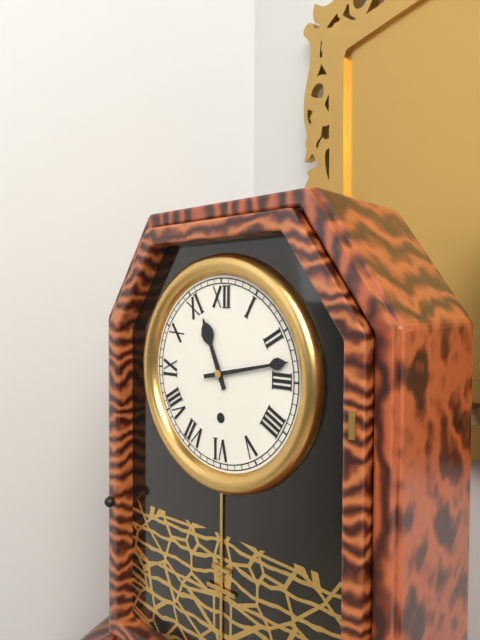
11:13
